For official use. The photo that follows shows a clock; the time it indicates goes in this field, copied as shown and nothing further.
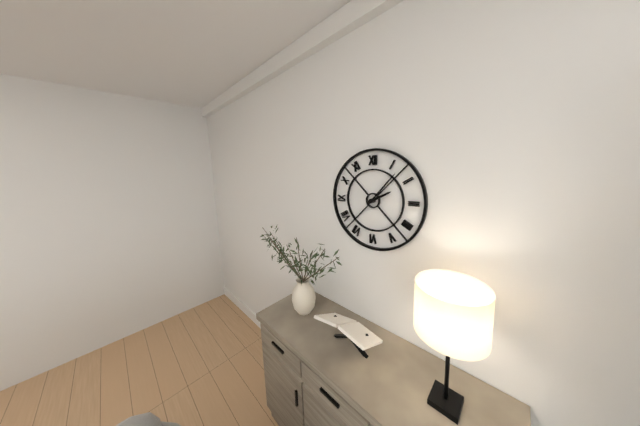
2:07
